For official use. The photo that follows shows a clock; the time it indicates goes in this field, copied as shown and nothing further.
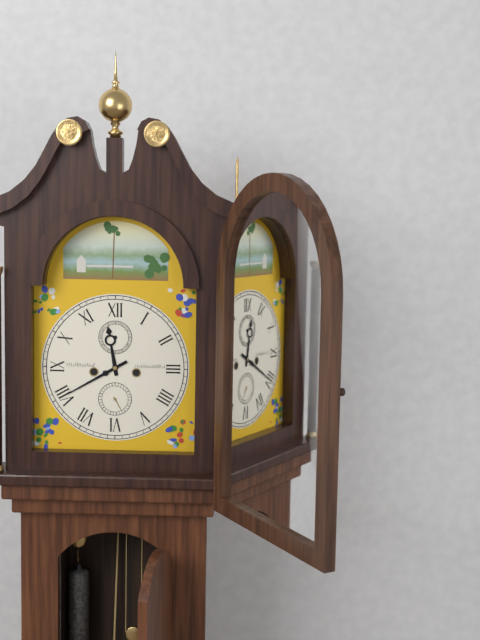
11:40
